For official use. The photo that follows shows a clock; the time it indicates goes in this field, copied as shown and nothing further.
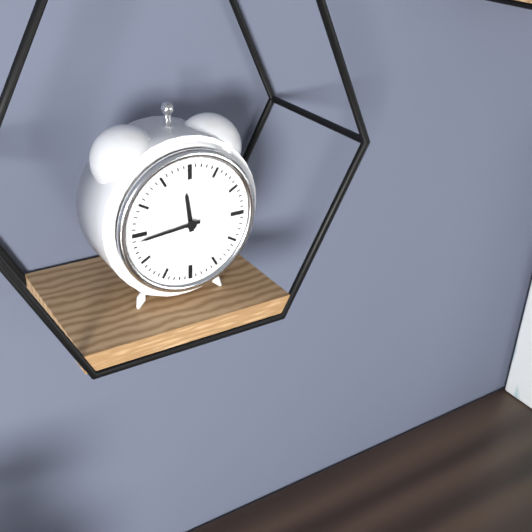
11:44
